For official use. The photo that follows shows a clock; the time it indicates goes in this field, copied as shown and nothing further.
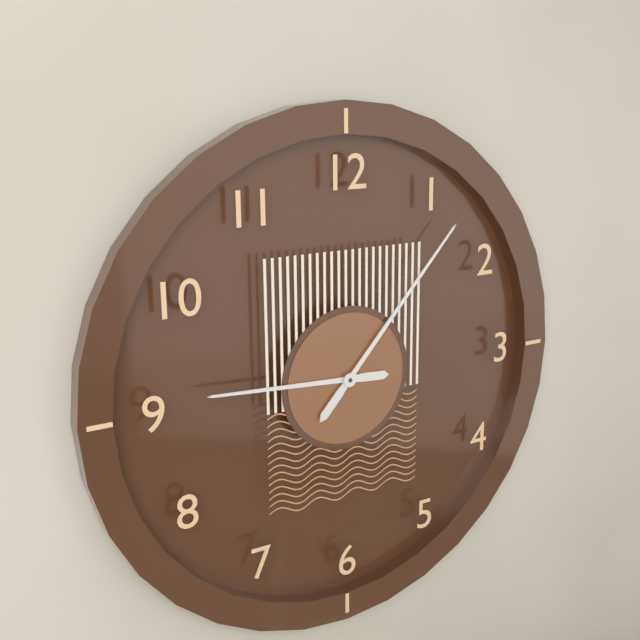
9:07
